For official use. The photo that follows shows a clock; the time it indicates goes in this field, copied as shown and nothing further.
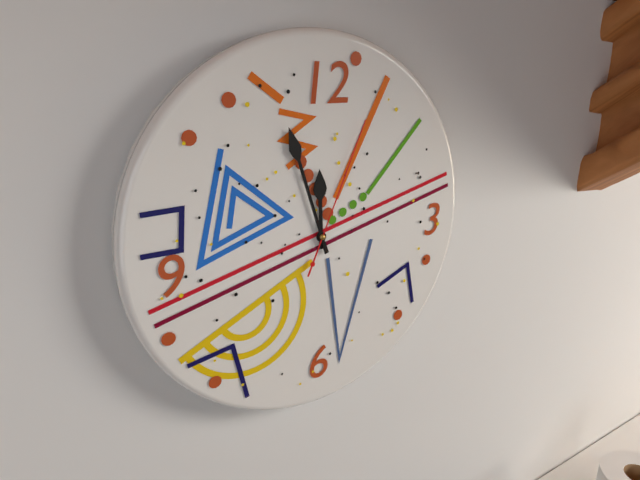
11:57:04
